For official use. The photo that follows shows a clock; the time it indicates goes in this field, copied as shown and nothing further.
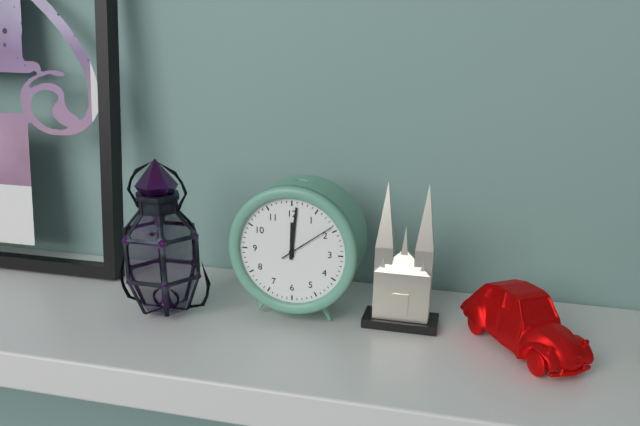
12:01:09
